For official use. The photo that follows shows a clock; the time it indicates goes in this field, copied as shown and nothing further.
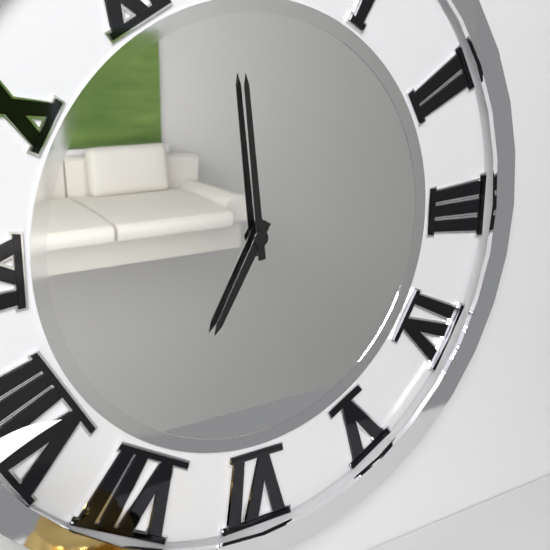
6:59
